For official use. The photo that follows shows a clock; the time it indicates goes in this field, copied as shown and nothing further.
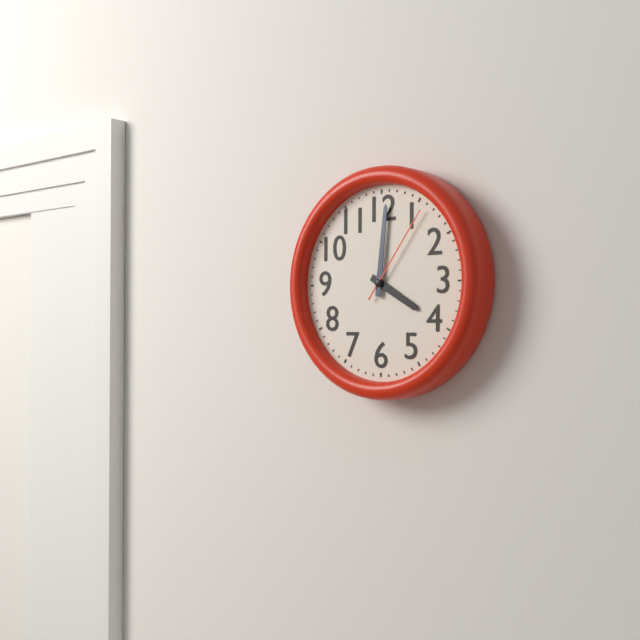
4:01:06
